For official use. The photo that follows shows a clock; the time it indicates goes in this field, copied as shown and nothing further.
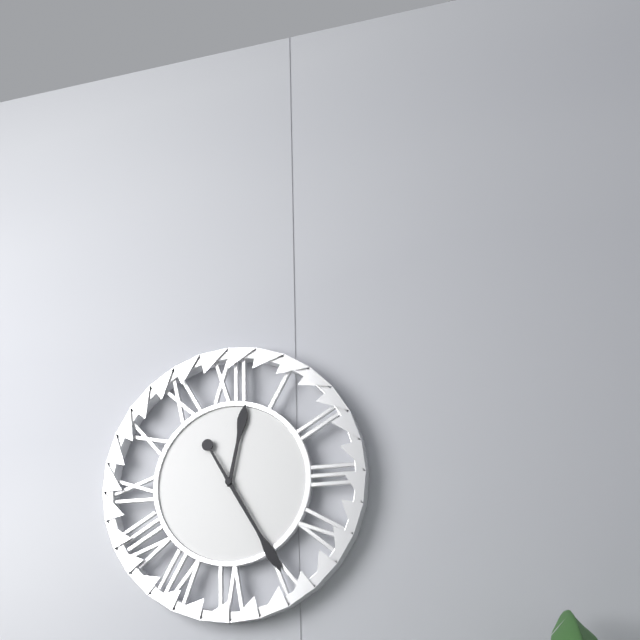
12:25
